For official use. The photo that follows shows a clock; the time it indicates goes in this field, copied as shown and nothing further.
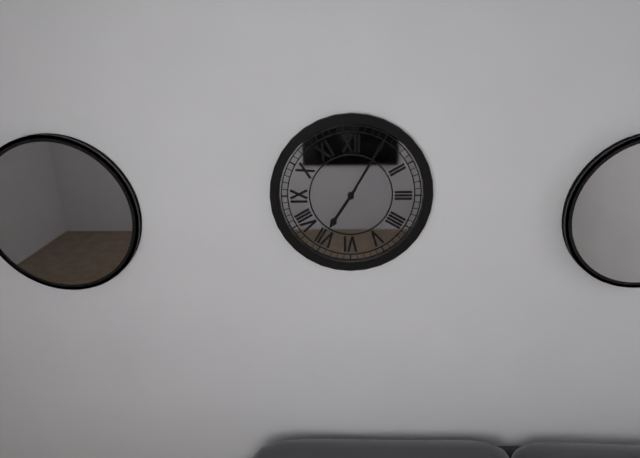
7:05
